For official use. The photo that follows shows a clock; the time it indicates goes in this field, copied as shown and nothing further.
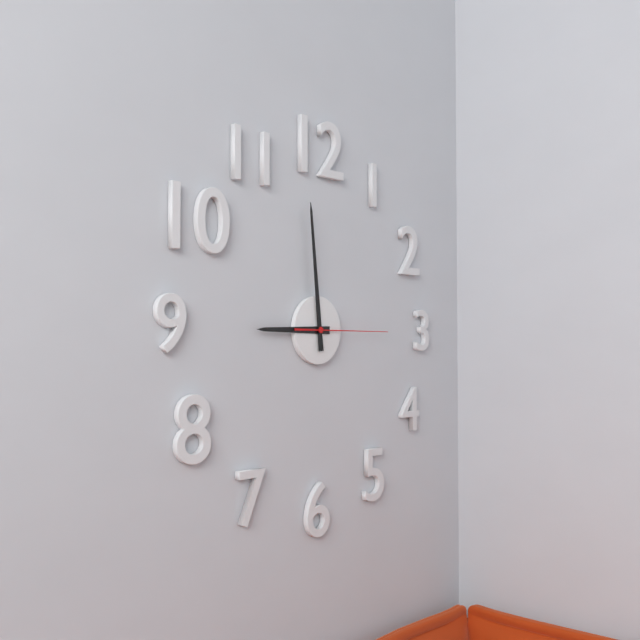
8:59:15
